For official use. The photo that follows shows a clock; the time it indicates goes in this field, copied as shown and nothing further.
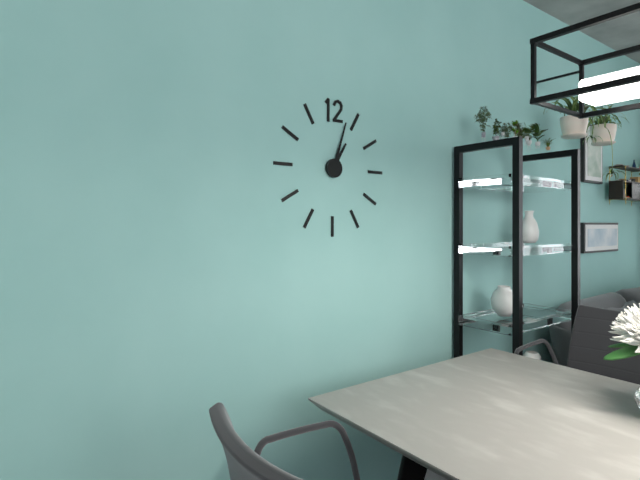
1:03
